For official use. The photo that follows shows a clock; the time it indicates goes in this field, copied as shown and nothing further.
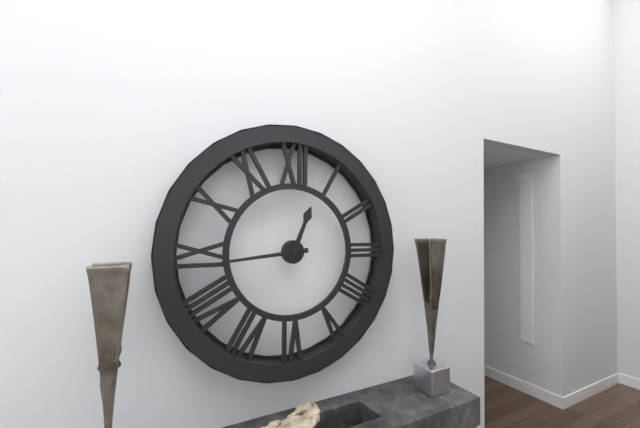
12:44
